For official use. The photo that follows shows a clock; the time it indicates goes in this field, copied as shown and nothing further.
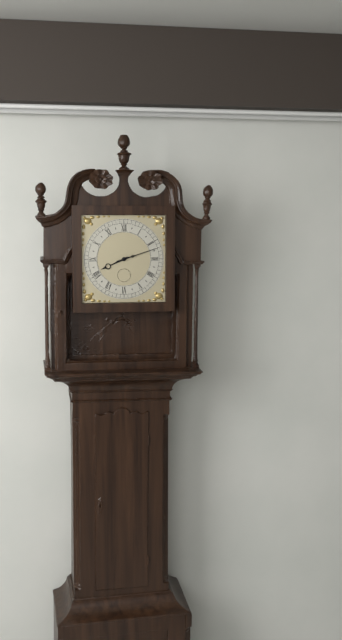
8:12
